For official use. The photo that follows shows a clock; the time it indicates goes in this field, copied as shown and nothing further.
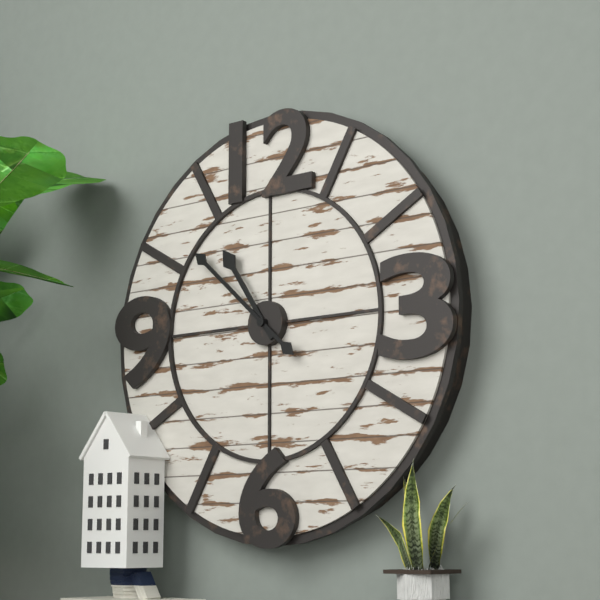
10:52
